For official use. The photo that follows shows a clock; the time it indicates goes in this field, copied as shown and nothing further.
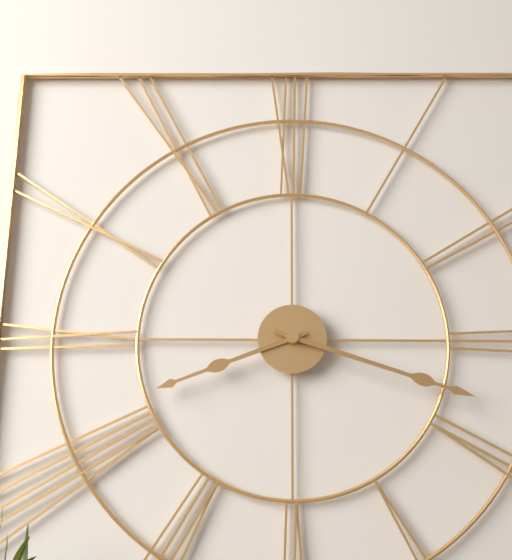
8:18
